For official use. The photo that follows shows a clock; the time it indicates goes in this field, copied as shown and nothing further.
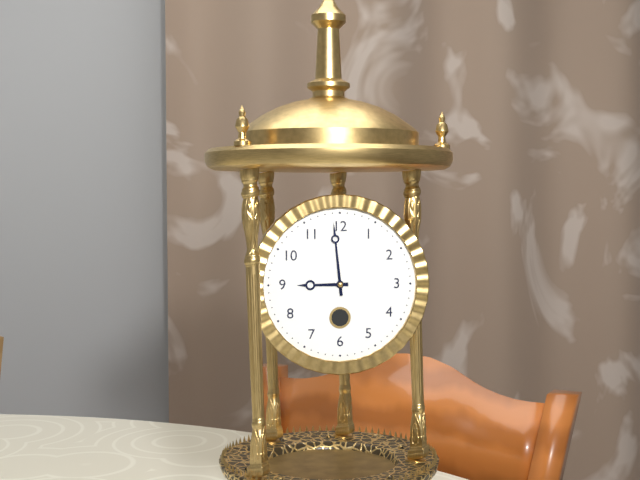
8:59
